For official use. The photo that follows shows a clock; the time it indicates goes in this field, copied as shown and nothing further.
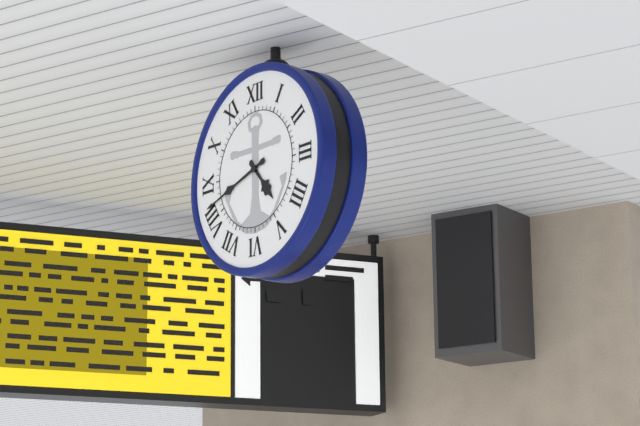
4:42
